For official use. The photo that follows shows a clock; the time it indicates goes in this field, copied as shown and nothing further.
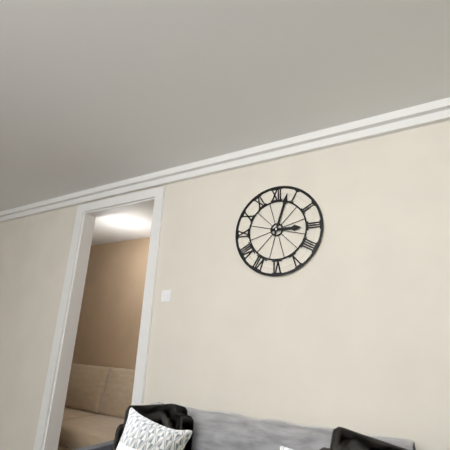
3:03
